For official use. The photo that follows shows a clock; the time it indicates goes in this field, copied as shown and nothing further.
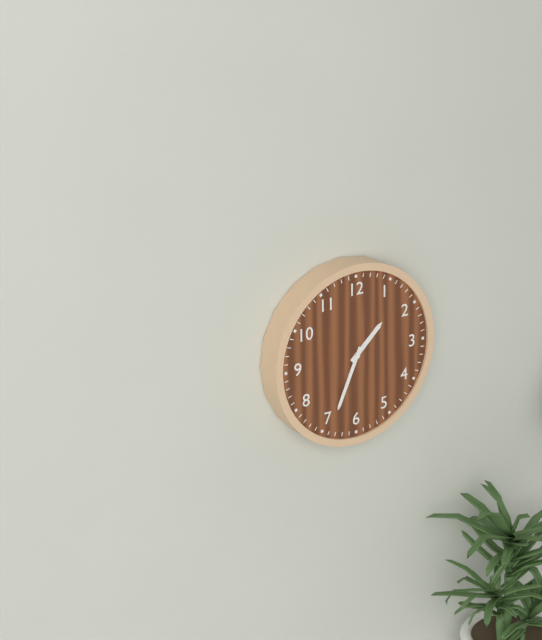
1:34
